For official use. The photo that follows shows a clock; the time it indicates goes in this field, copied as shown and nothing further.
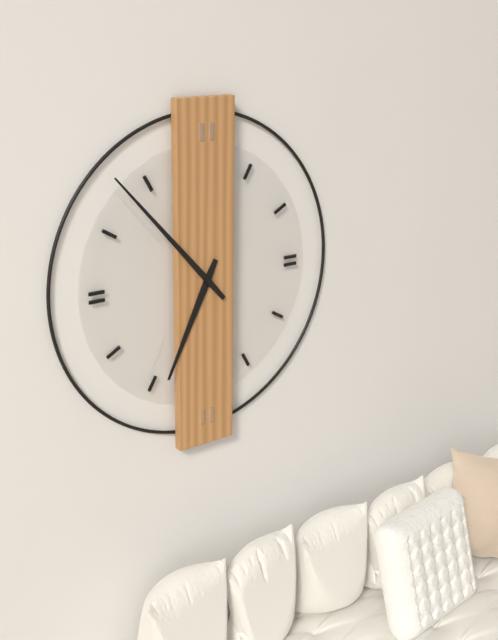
6:53
